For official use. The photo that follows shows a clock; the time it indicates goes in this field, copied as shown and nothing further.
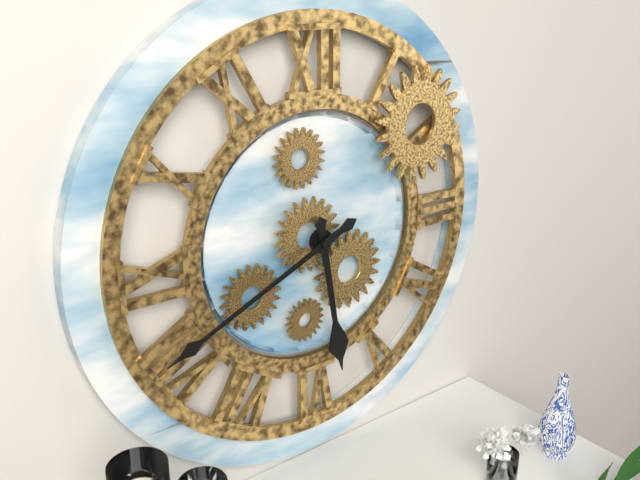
5:41
